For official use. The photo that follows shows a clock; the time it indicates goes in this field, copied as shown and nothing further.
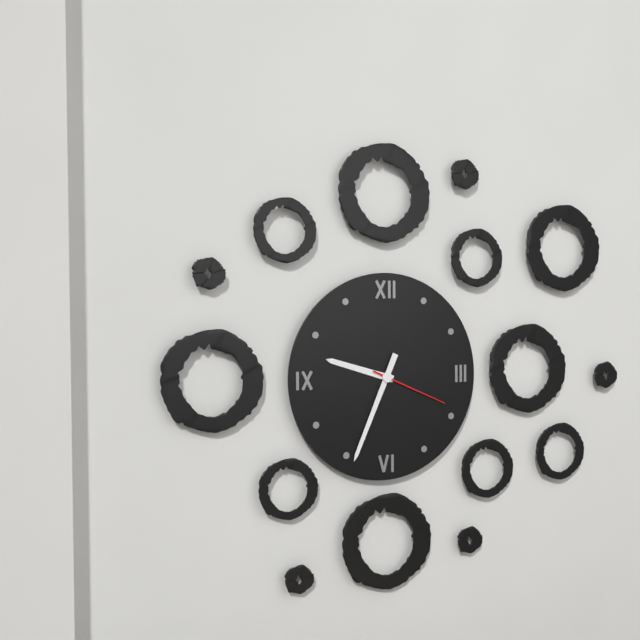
9:34:19
